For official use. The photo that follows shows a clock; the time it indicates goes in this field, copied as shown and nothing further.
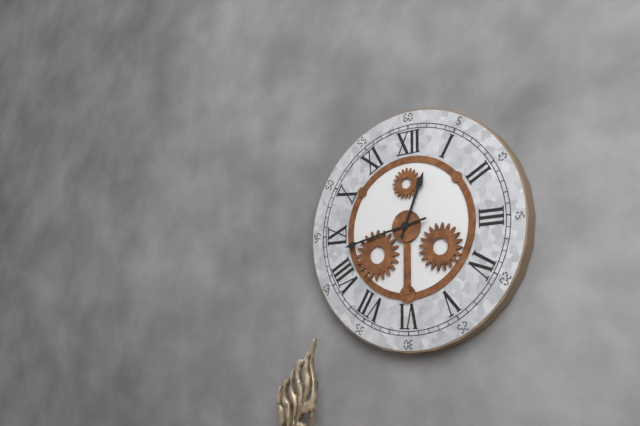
12:43
